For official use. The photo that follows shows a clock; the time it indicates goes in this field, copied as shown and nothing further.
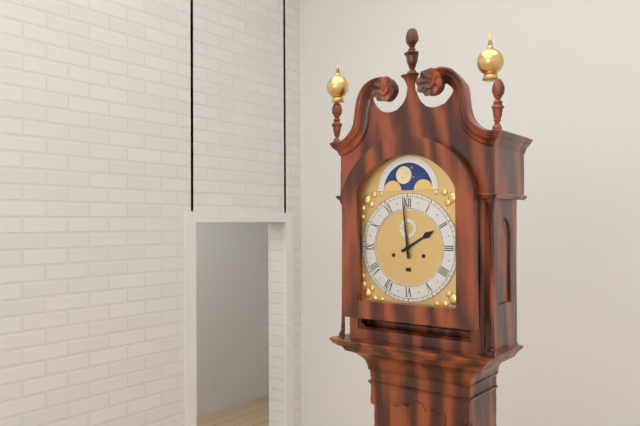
1:59
